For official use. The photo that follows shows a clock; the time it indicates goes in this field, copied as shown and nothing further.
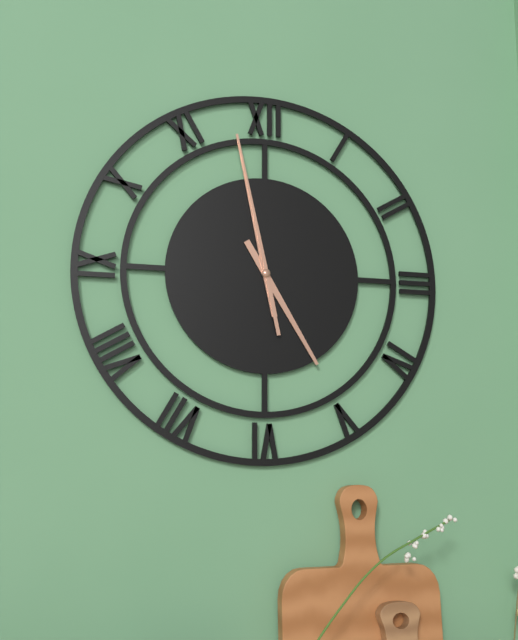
4:58:58
